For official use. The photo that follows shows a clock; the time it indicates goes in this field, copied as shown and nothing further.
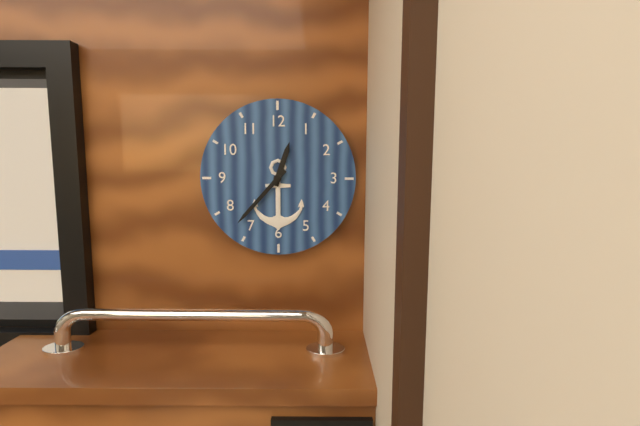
12:37
